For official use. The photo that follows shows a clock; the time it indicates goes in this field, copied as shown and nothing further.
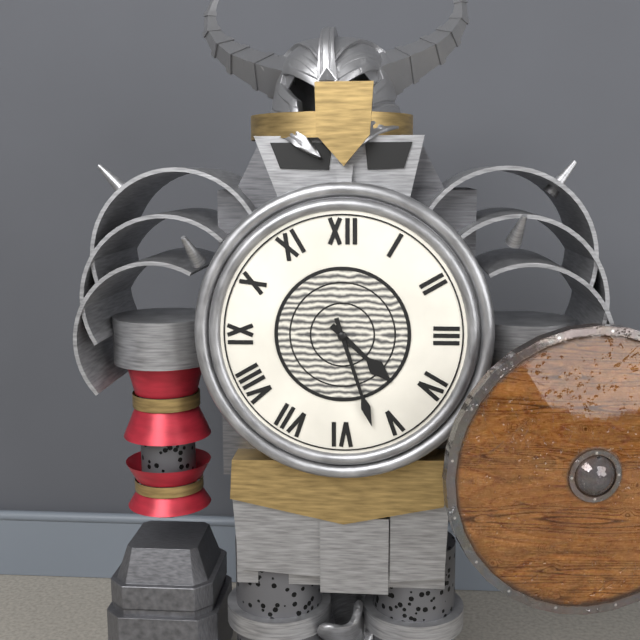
4:27
